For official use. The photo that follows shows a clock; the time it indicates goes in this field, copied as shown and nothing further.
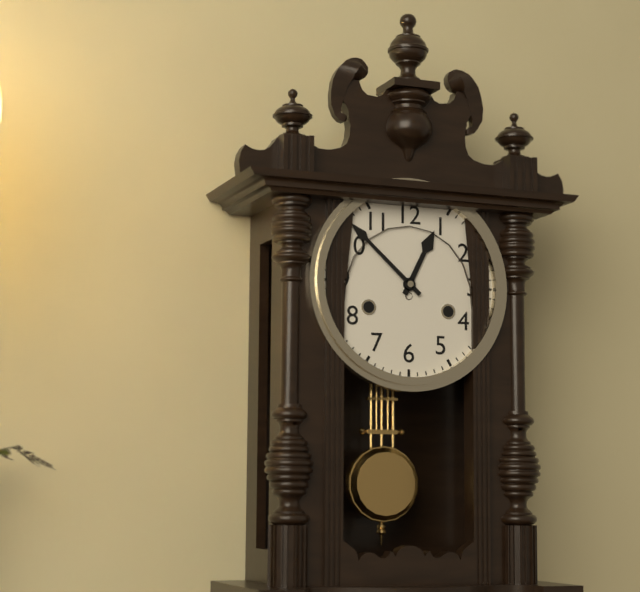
12:52
